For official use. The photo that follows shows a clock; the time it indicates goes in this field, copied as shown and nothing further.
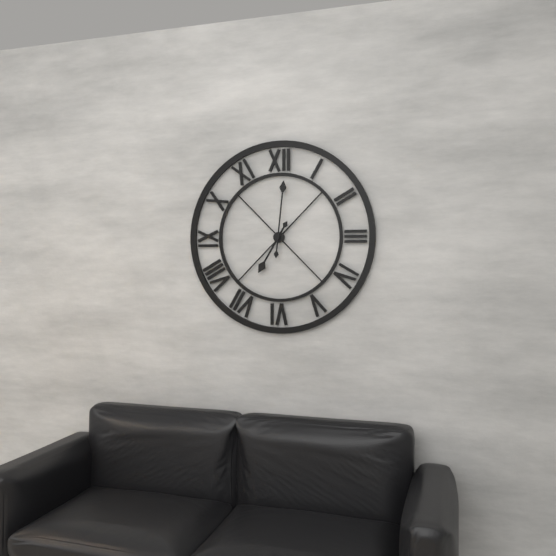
7:01
